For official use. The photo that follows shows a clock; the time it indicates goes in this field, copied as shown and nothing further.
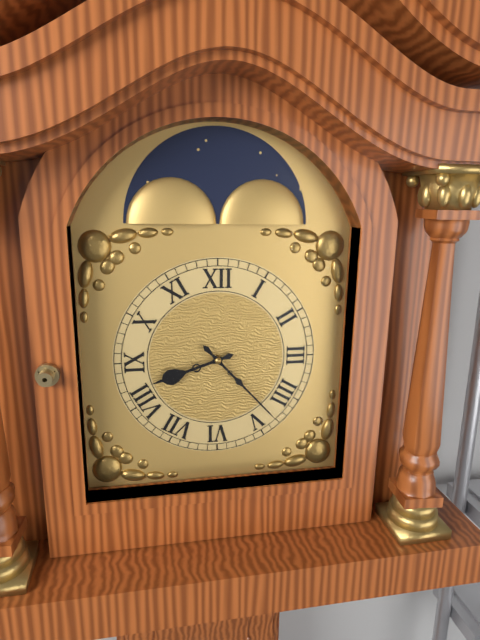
8:23
